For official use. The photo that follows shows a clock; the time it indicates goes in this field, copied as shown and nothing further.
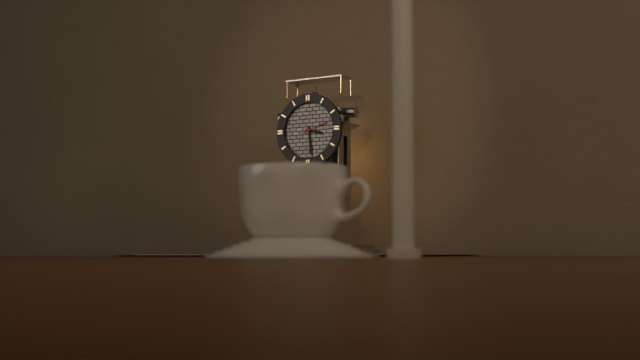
3:29
